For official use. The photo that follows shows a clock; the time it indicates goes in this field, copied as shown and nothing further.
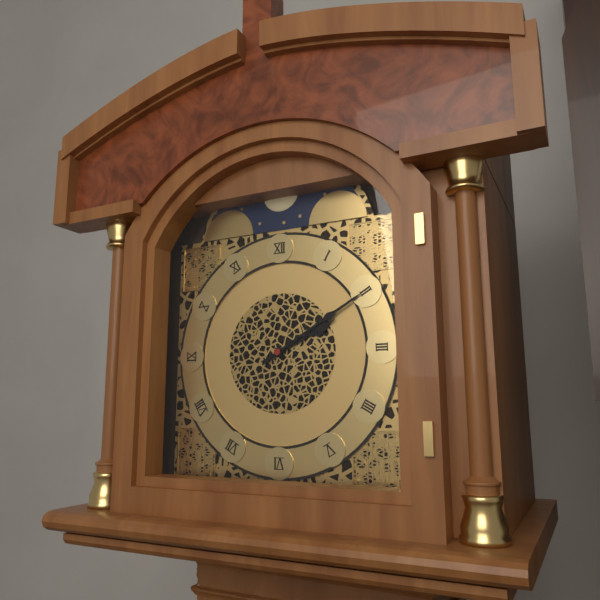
2:10
